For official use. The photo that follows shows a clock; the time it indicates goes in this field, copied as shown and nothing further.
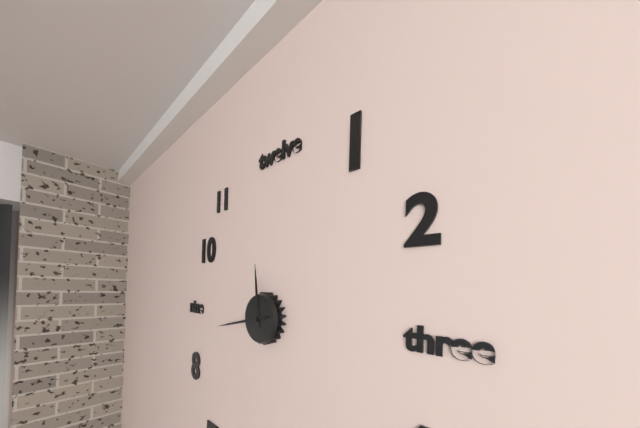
11:43
